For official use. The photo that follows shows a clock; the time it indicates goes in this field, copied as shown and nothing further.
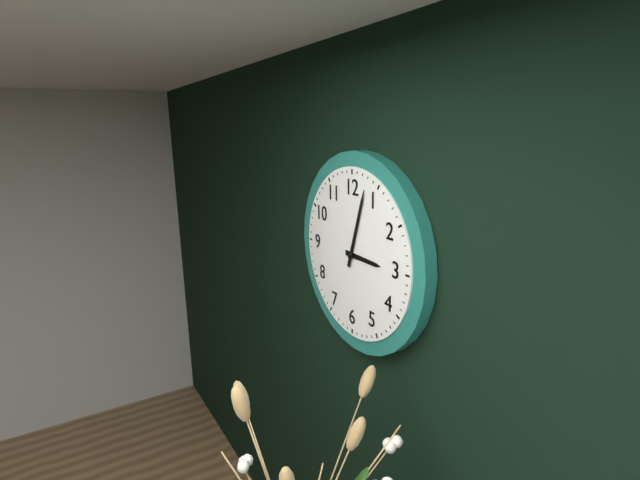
3:03
